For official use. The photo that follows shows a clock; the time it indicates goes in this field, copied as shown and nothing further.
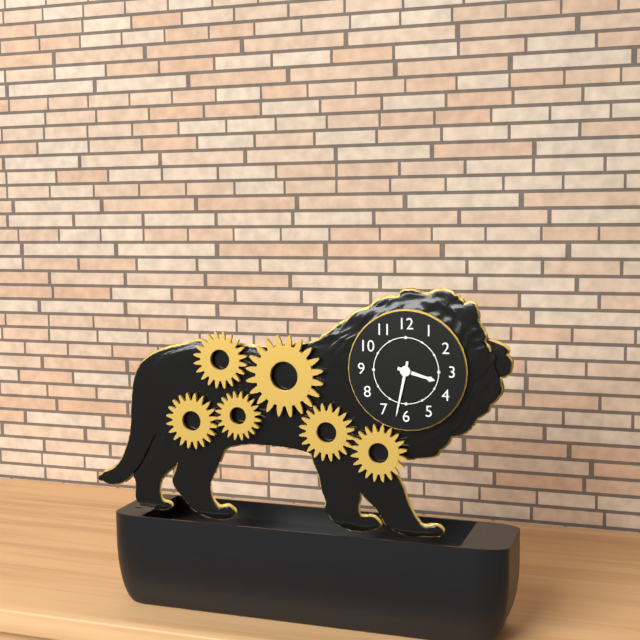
3:32
